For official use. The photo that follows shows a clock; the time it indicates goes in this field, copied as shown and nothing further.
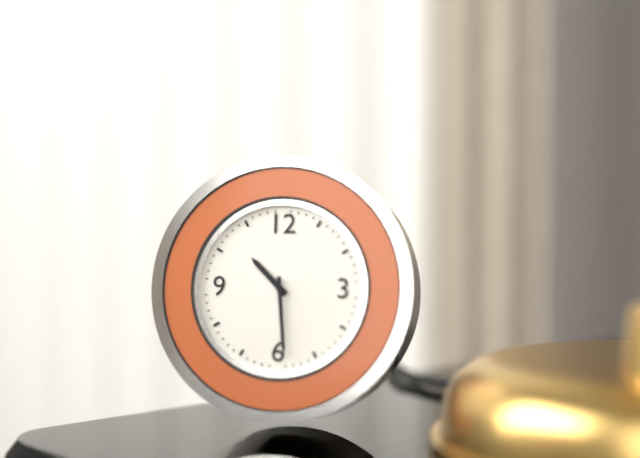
10:29
